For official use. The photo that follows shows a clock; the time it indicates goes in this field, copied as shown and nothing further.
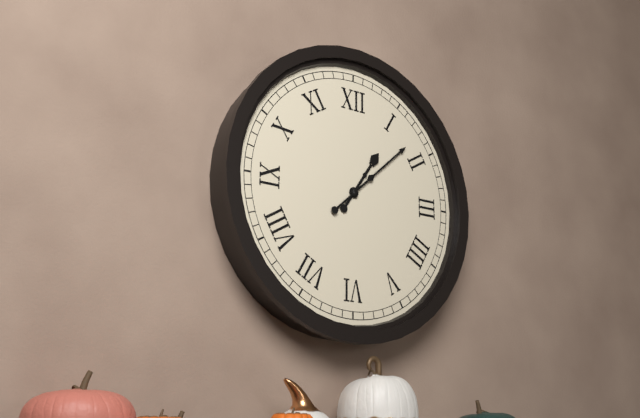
1:08
